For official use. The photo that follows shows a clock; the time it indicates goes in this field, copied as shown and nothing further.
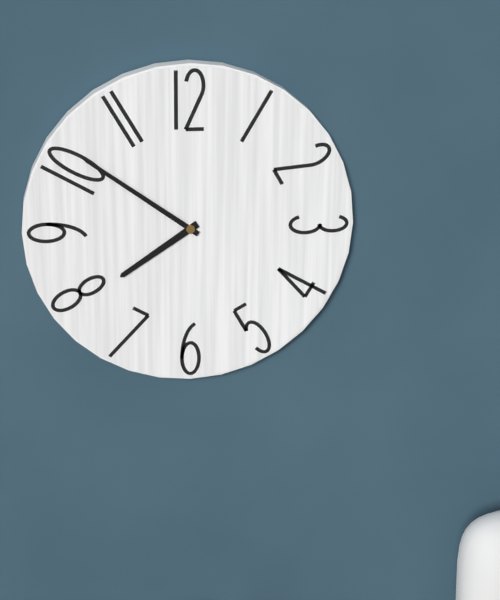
7:51
